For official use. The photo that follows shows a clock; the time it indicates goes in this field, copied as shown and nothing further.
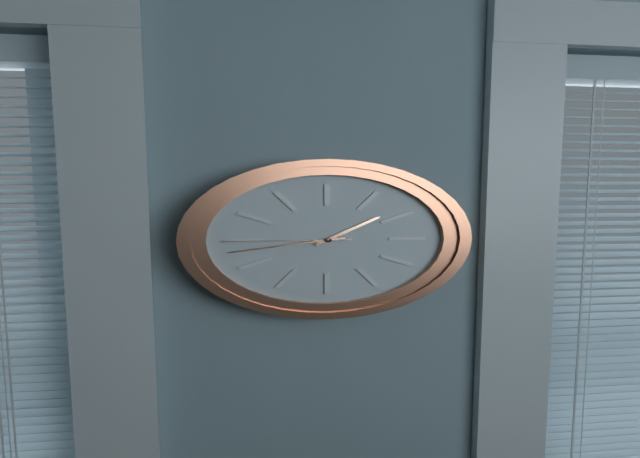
1:43:45
